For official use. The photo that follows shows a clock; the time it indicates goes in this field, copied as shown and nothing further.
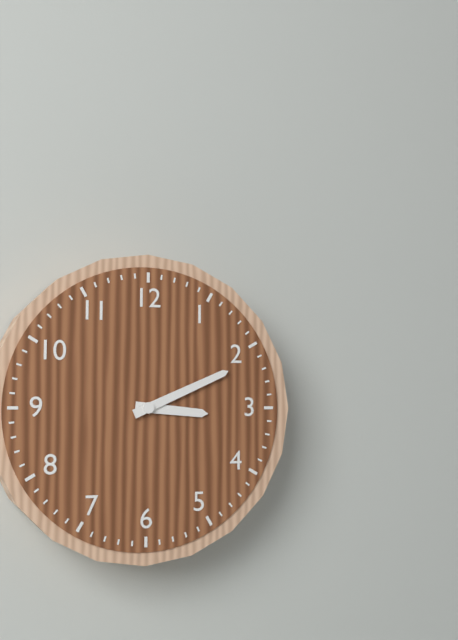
3:11
